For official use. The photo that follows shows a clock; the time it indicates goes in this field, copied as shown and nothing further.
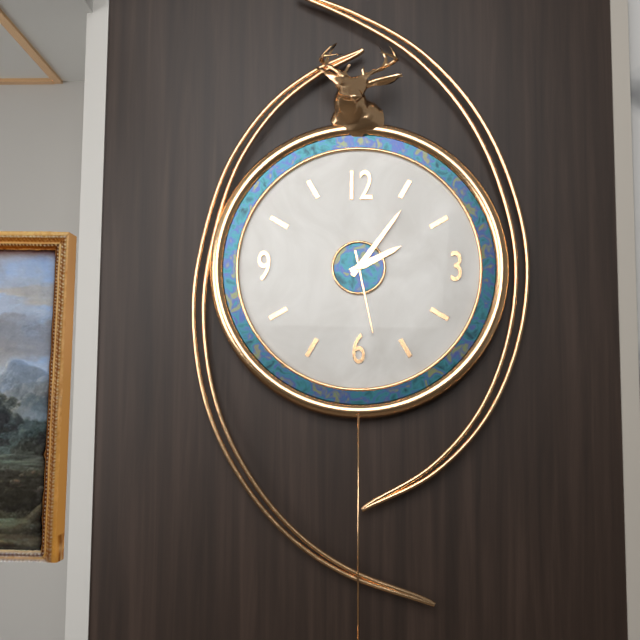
2:06:28
